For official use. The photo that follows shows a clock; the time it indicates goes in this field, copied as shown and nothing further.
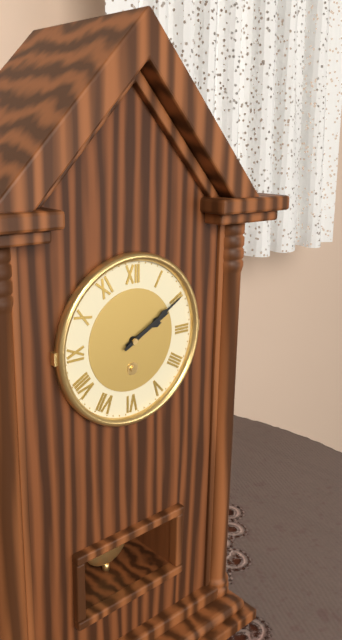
2:10
